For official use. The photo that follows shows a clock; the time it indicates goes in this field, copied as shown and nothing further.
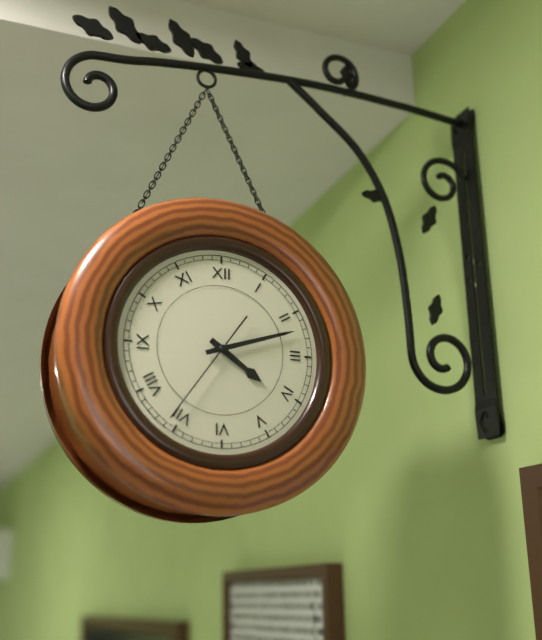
4:12:36
